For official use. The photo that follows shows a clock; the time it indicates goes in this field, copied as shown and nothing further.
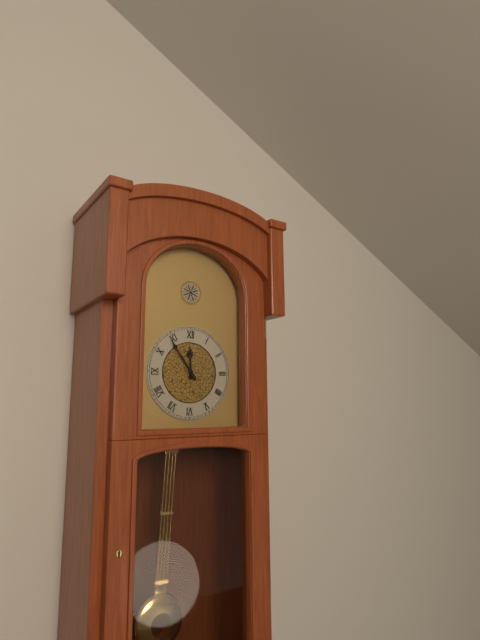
11:54
